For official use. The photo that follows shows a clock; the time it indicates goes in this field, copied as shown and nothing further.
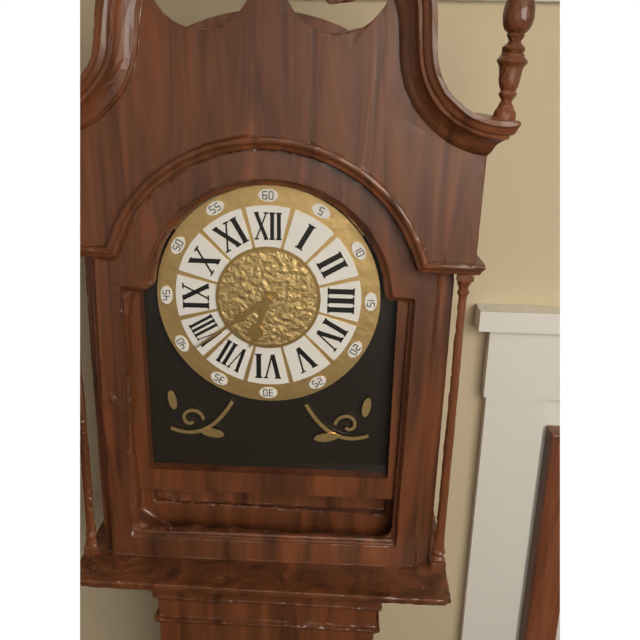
6:39
